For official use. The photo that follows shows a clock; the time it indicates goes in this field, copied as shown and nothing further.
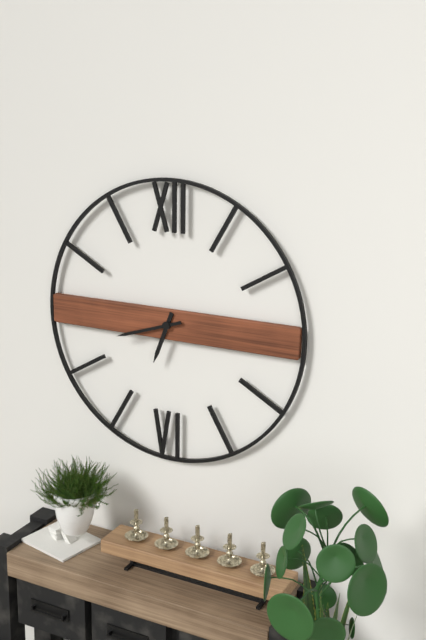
6:42
